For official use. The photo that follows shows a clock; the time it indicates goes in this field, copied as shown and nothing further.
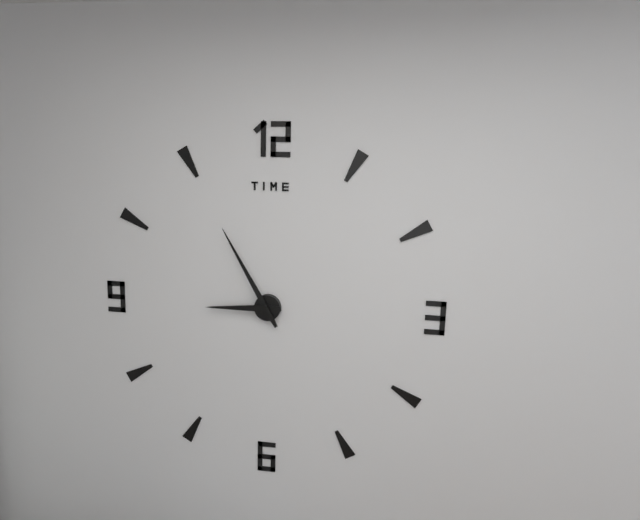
8:55
